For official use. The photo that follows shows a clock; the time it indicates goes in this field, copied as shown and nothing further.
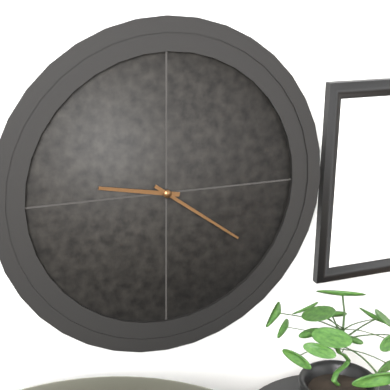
9:21
